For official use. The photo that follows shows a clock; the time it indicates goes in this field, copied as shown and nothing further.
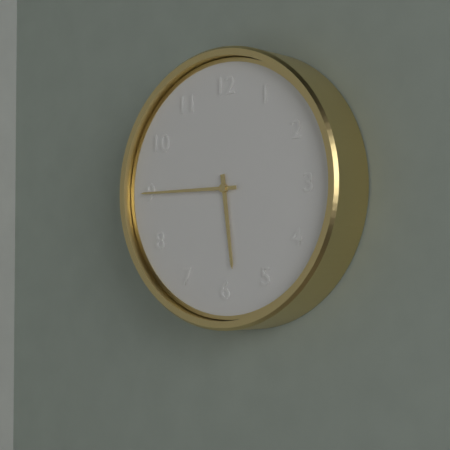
5:45
